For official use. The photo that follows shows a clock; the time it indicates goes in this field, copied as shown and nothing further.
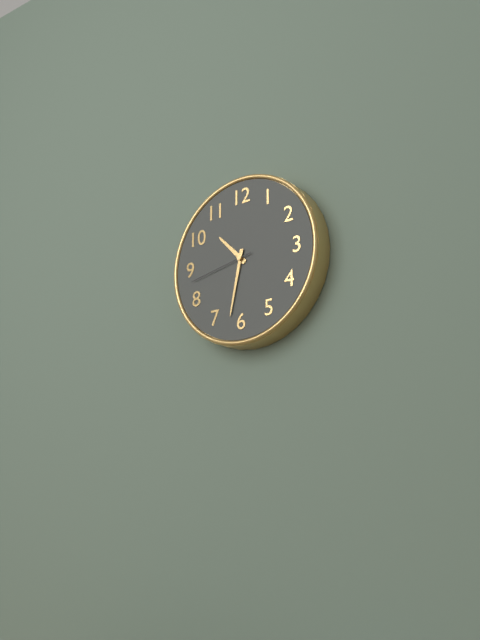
10:32:43
